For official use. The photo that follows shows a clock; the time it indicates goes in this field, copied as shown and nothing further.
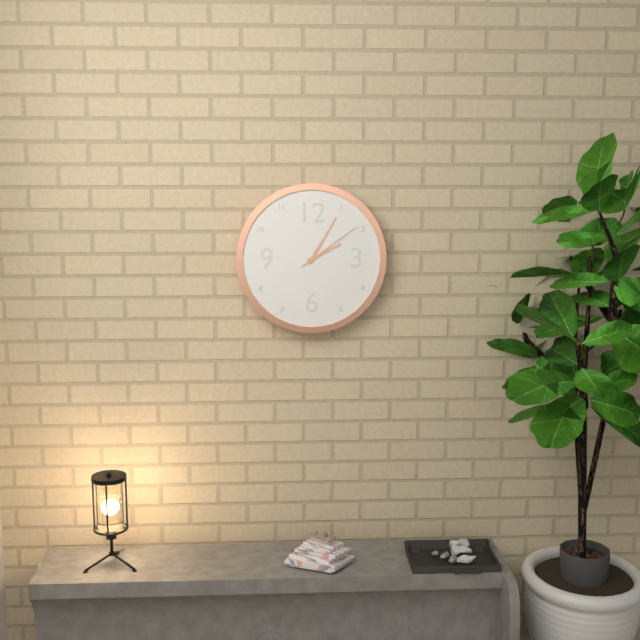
2:05:09
